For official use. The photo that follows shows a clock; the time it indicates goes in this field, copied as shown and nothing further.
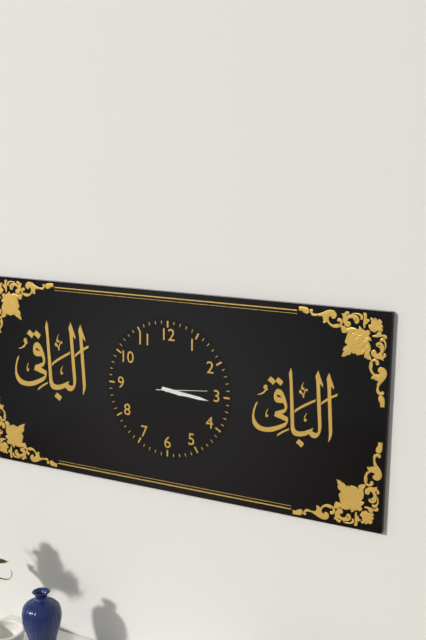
3:16:14
